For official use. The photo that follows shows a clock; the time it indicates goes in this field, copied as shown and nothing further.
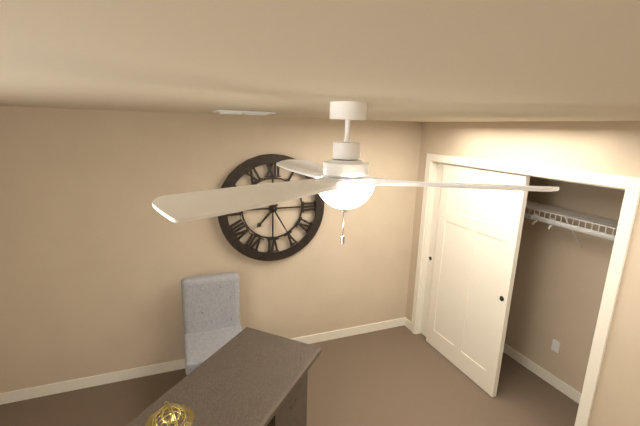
7:25
